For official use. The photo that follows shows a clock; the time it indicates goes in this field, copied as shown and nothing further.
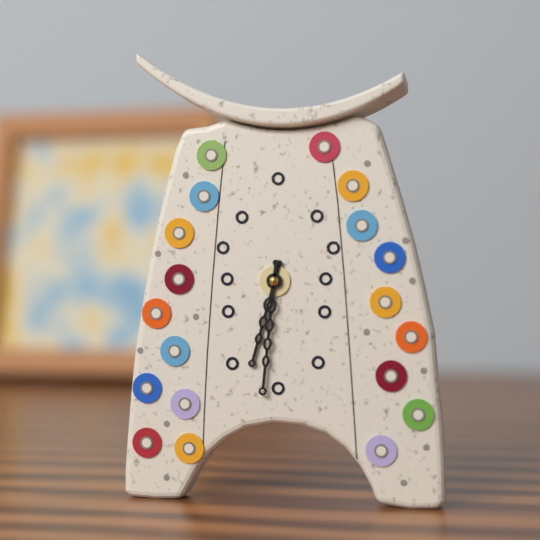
6:31
